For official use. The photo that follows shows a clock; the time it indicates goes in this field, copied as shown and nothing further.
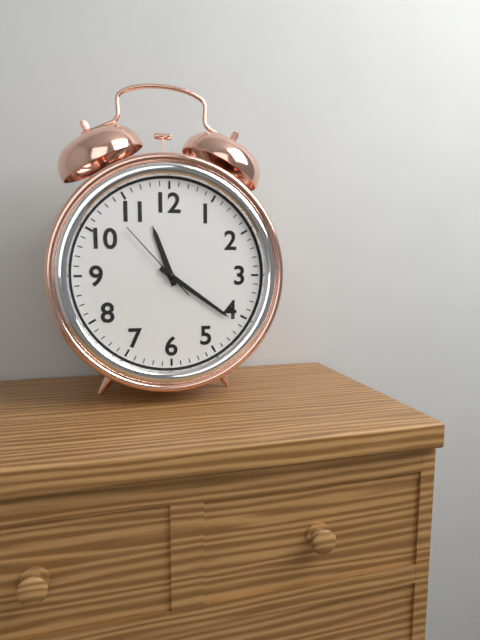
11:21:53
